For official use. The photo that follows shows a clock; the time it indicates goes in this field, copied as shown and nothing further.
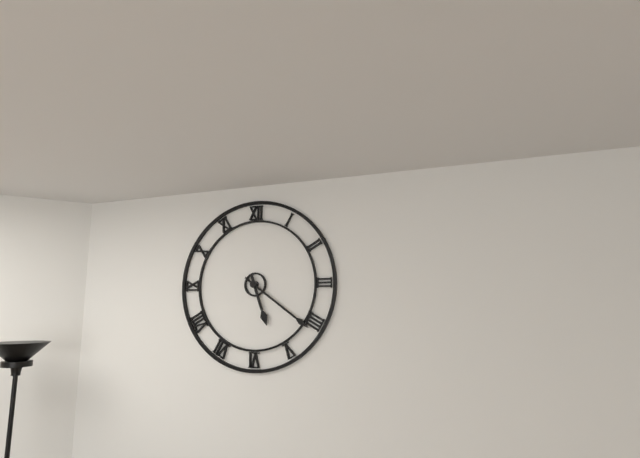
5:21
